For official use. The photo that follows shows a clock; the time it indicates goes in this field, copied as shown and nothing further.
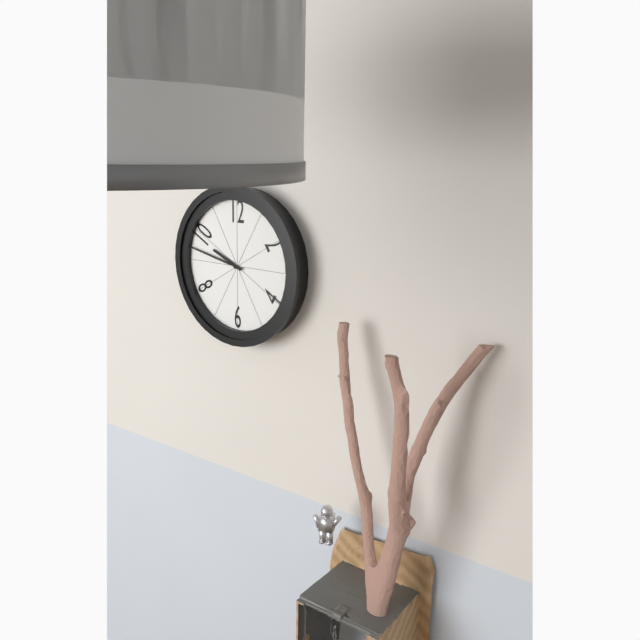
9:47
